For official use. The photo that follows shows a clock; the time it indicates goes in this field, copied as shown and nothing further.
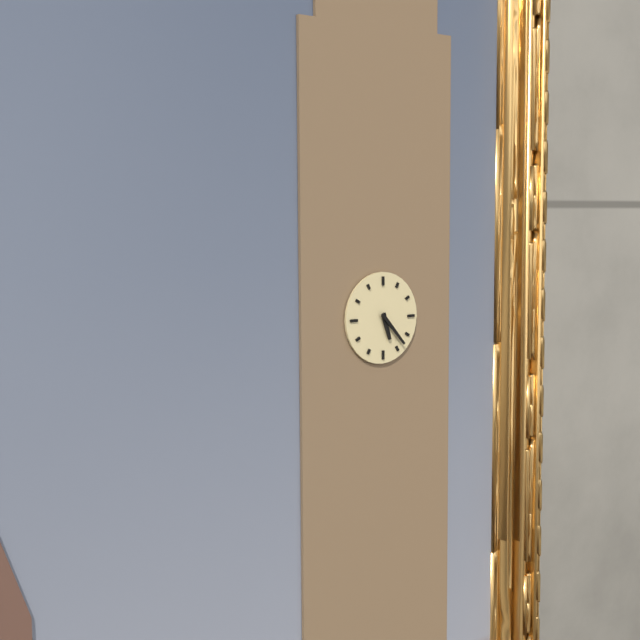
5:23
